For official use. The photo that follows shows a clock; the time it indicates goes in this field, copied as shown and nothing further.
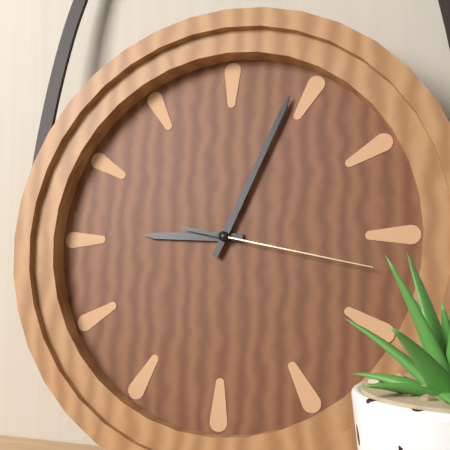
9:04:17
